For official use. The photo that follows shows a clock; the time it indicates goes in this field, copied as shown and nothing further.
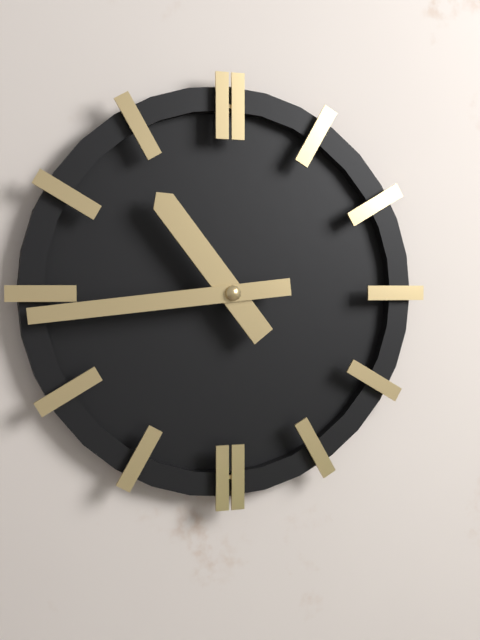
10:44
